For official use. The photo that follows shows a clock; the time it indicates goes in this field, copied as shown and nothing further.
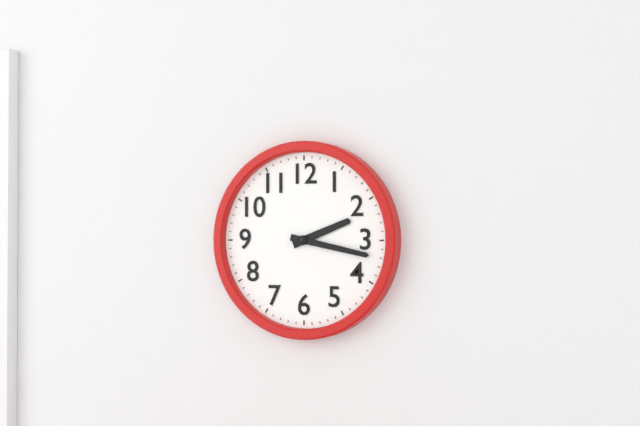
2:17
